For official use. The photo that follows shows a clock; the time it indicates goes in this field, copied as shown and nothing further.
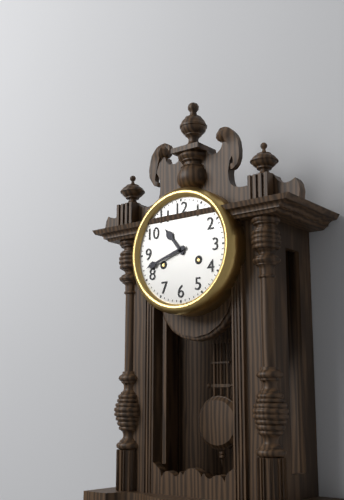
10:42
